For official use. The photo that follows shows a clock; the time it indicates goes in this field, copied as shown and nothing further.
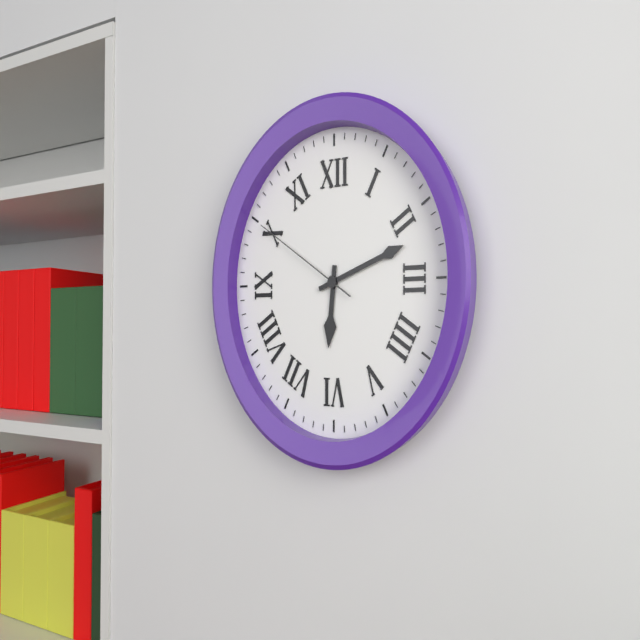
6:12:50
